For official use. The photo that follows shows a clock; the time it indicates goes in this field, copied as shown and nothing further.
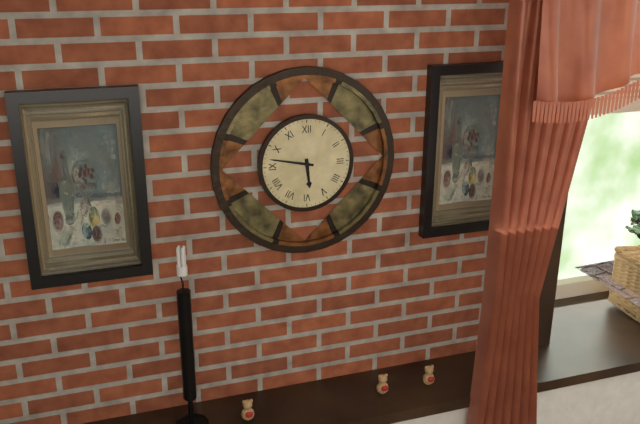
5:47
